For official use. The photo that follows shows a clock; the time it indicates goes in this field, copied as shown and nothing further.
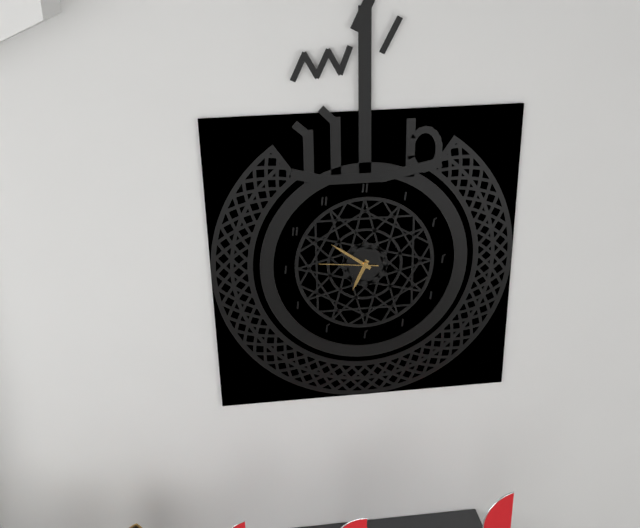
6:51:46
